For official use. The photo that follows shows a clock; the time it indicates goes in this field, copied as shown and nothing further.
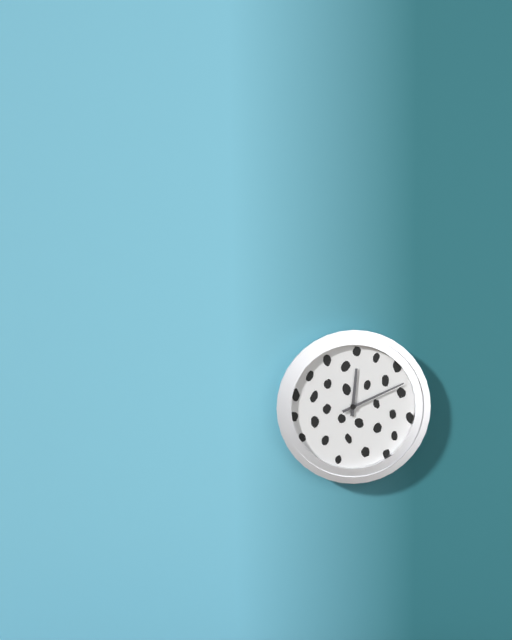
12:11
